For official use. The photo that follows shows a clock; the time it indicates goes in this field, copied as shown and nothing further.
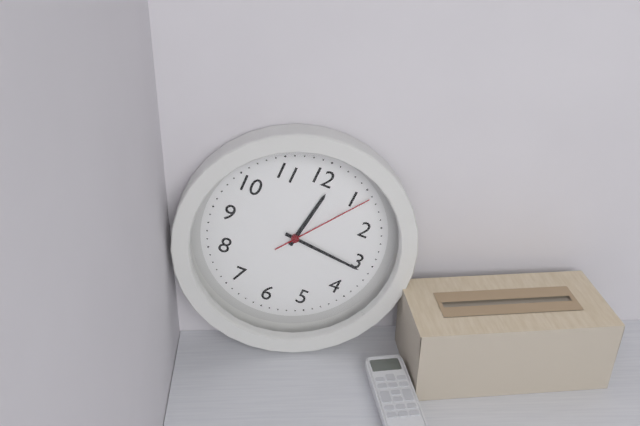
12:16:06
